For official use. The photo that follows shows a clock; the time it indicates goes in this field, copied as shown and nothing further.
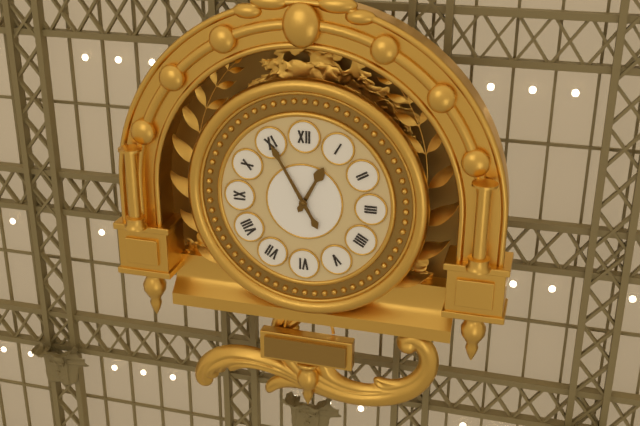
12:55
